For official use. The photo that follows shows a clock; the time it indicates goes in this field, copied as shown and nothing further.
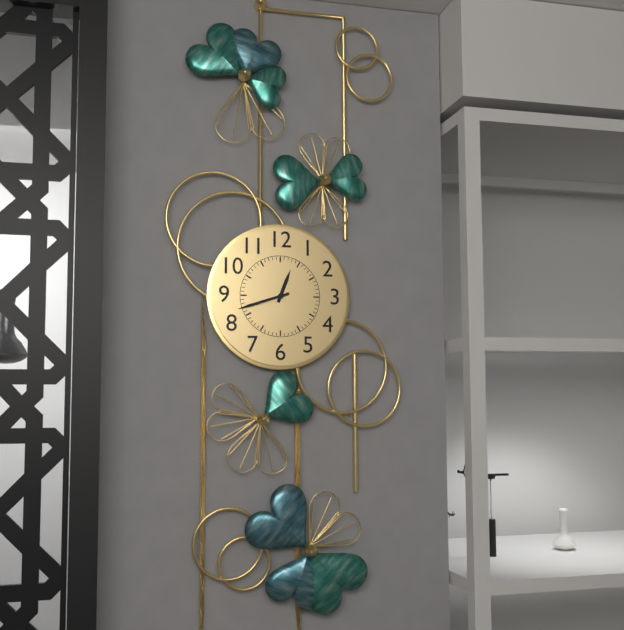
12:42
